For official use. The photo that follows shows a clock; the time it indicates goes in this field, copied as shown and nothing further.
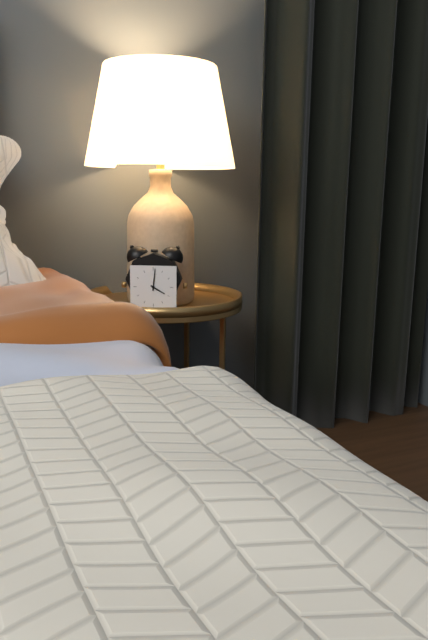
4:01
